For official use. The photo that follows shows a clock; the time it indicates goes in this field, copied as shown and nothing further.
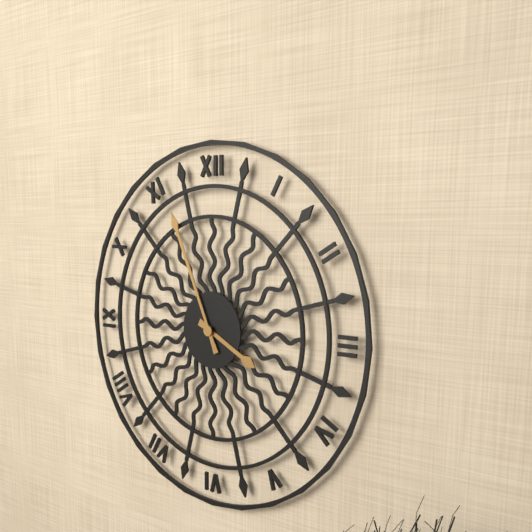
3:56
